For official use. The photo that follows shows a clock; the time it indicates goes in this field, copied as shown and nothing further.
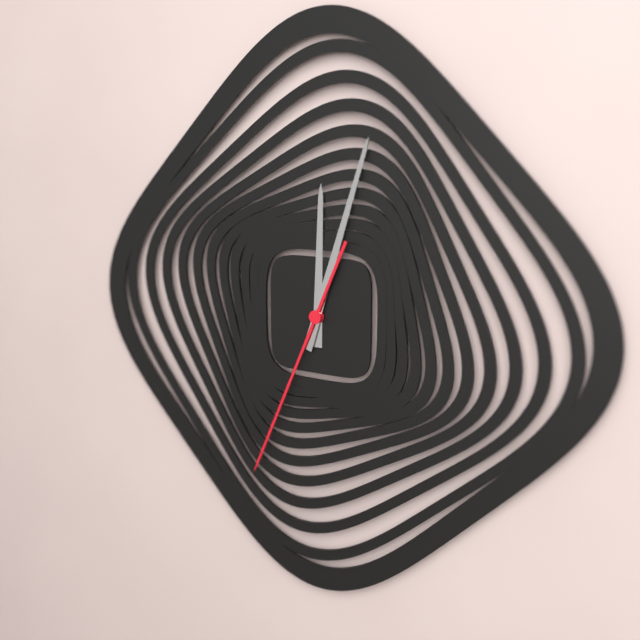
12:03:34
